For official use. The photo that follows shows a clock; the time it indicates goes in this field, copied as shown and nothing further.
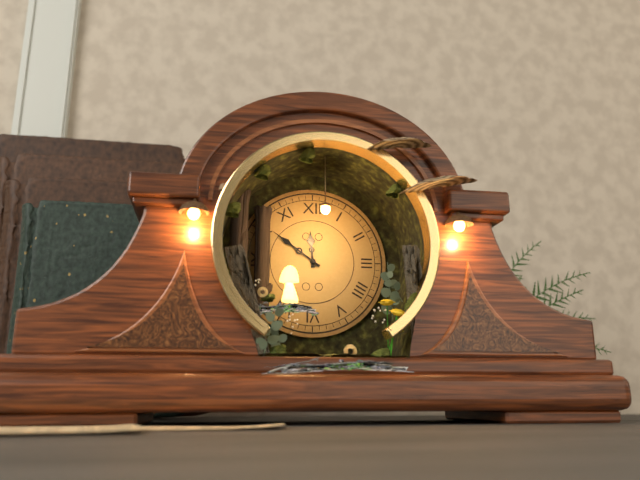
11:51
